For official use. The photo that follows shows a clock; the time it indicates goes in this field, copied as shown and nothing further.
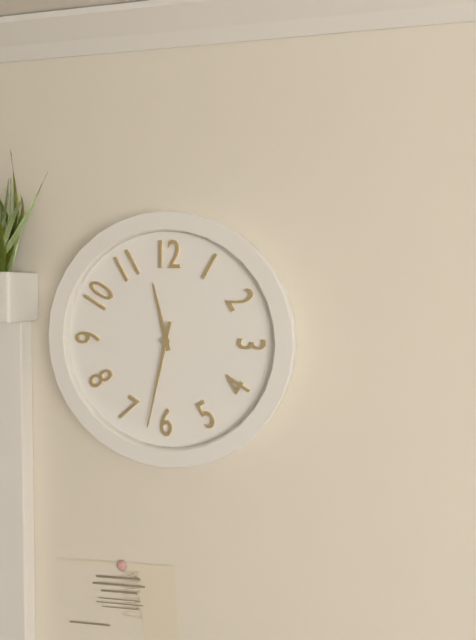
11:32
